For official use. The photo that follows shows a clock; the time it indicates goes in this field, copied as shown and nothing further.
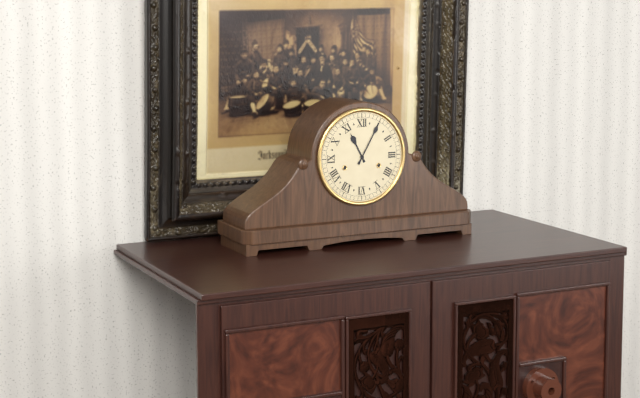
11:05
